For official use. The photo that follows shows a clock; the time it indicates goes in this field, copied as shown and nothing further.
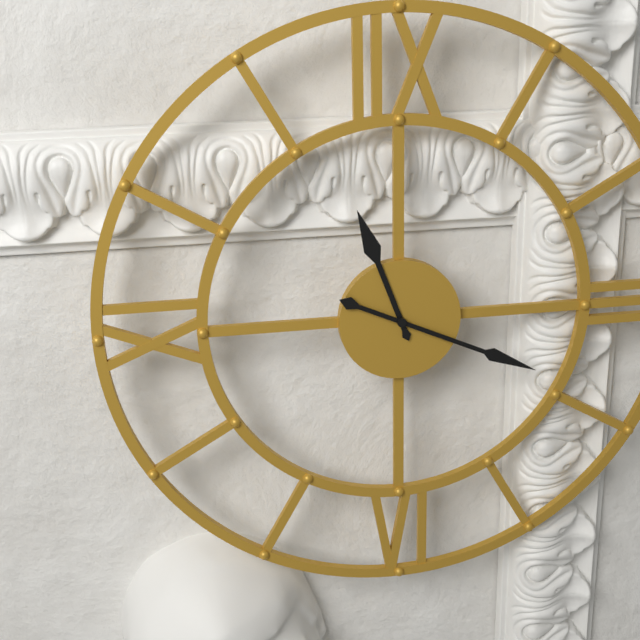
11:19
